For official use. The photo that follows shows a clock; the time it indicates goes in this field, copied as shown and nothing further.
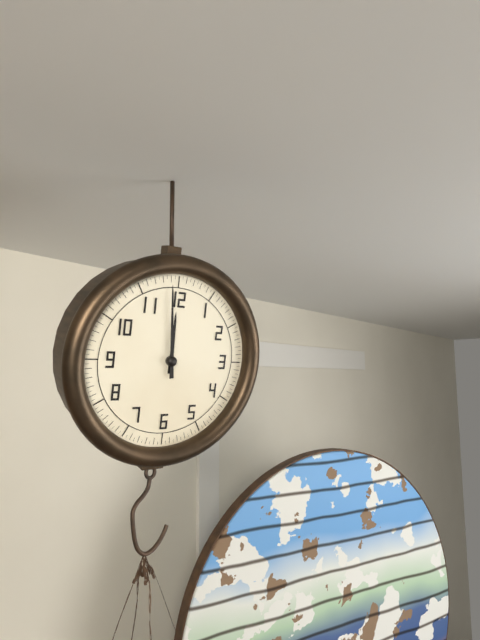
11:59
